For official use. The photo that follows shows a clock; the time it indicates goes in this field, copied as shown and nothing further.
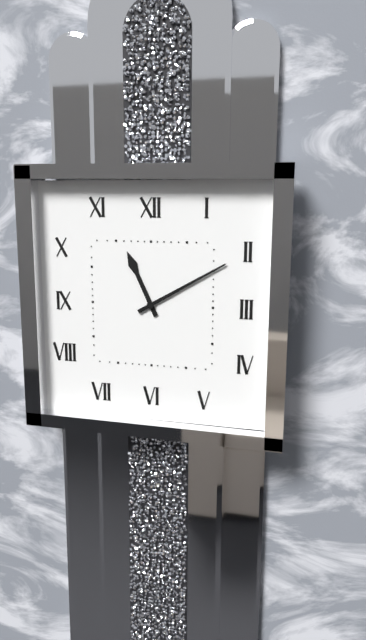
11:10
